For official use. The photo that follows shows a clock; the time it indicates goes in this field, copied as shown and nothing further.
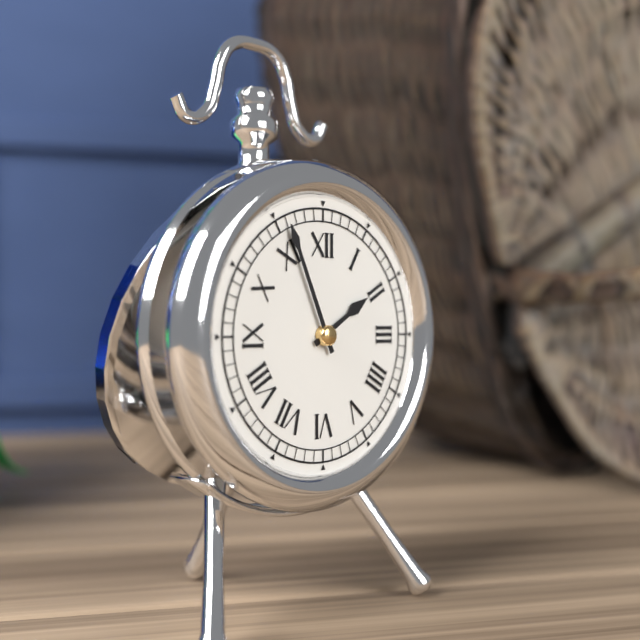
1:56
